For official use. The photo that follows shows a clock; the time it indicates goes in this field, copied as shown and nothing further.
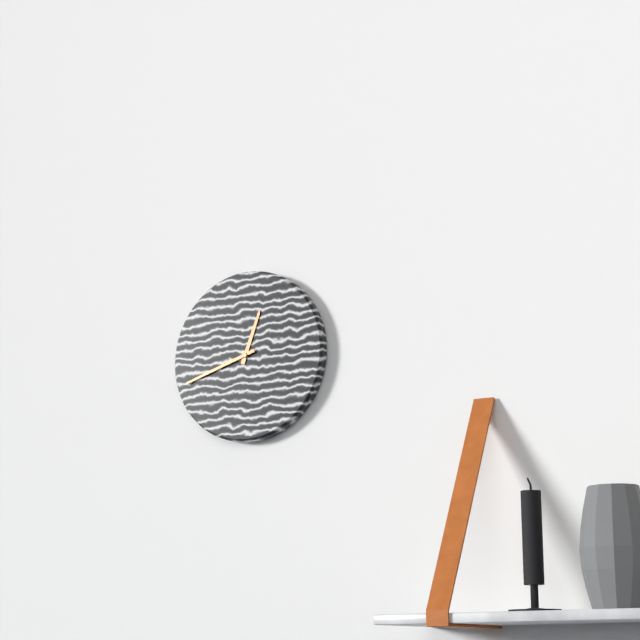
12:42
